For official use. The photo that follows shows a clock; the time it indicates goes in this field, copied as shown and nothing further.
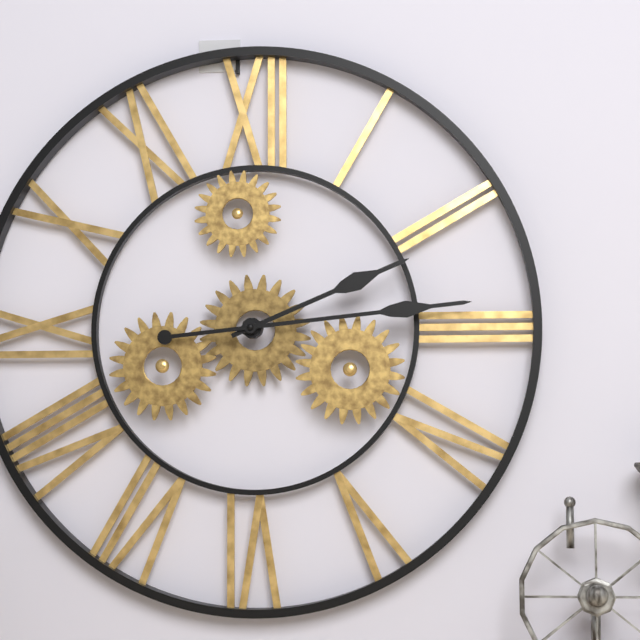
2:14
